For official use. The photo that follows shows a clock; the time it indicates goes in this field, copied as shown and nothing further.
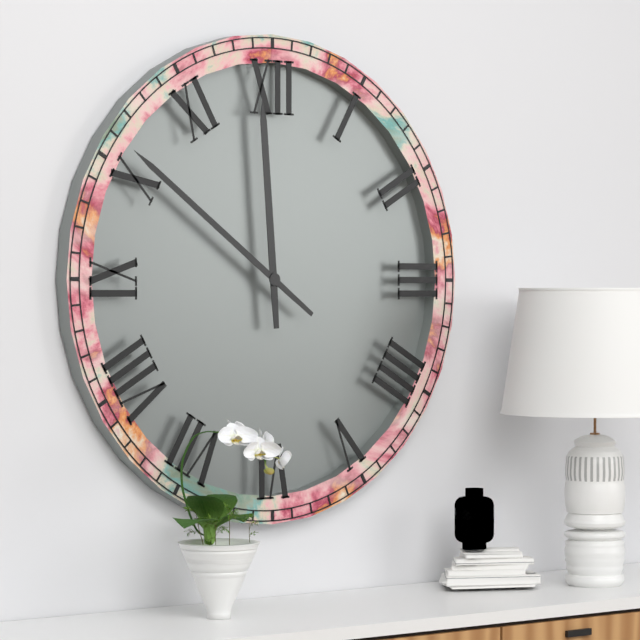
11:51
